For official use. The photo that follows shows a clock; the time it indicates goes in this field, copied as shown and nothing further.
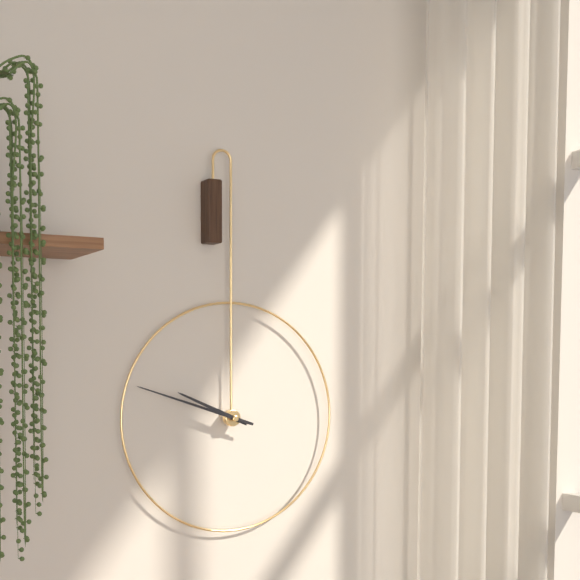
9:48
